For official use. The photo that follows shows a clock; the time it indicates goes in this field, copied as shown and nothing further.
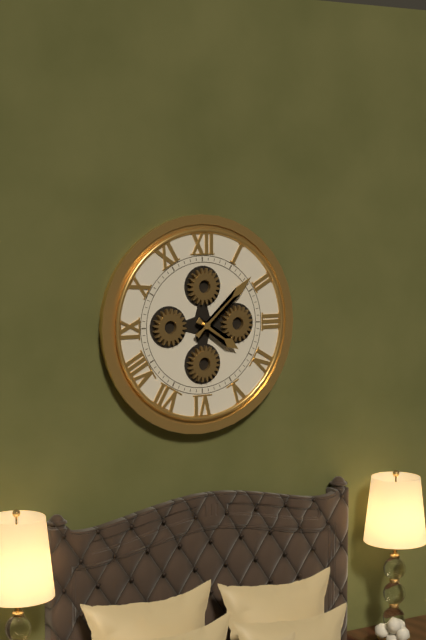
4:08
